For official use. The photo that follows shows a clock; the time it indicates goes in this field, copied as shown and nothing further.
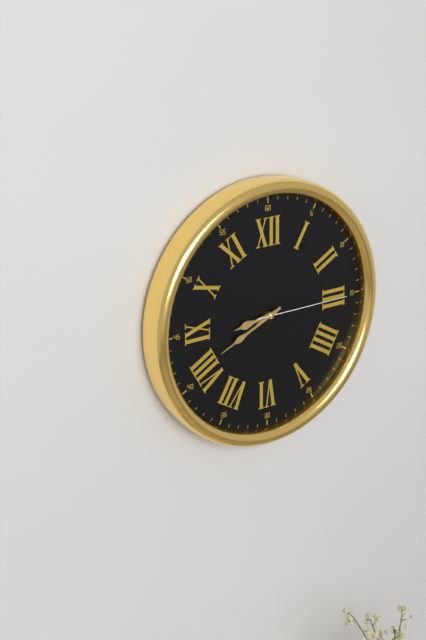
8:41:15
